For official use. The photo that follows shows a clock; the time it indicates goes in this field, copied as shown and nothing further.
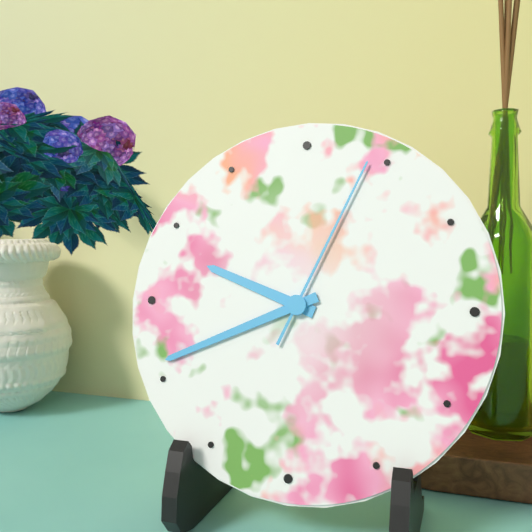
9:41:04
